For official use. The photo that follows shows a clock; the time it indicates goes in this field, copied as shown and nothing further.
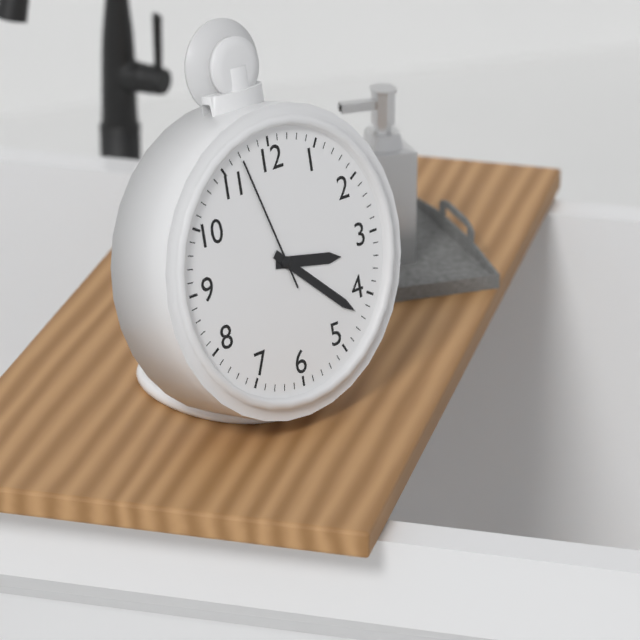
3:22:57
